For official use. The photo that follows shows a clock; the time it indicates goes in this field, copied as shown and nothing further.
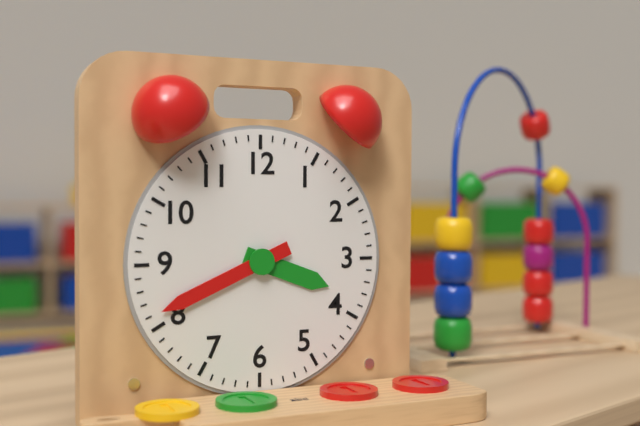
3:41
